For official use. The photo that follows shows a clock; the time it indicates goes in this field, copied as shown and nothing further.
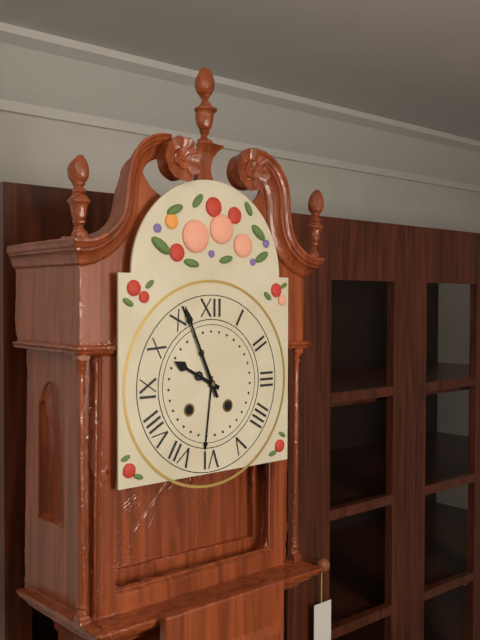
9:56
